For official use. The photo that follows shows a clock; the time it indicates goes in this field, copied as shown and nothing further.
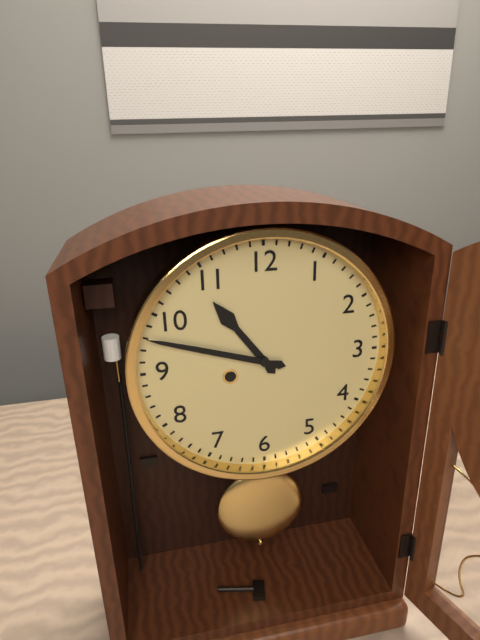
10:48
